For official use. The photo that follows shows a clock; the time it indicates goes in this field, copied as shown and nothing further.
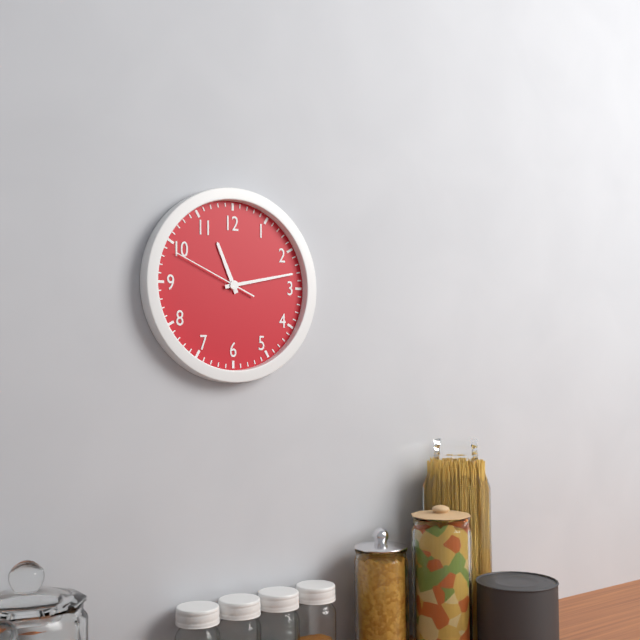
11:13:49
